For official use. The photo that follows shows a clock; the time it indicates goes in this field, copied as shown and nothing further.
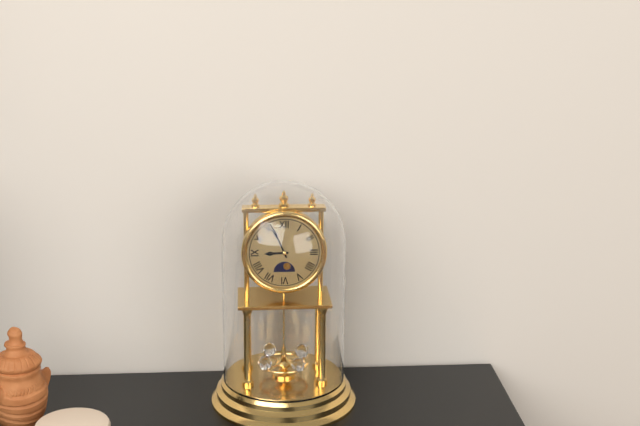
8:56
